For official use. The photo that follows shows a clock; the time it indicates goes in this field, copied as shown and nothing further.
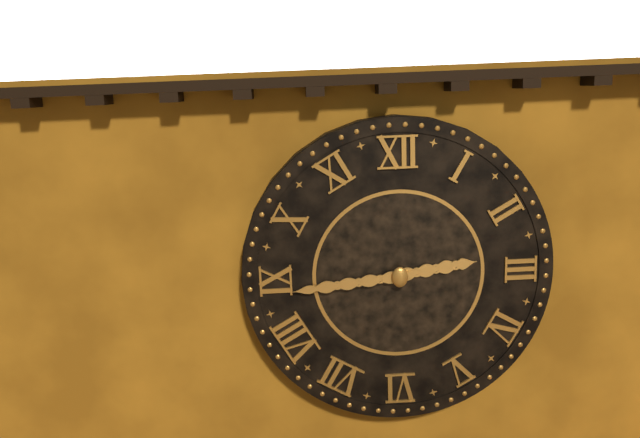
2:44
